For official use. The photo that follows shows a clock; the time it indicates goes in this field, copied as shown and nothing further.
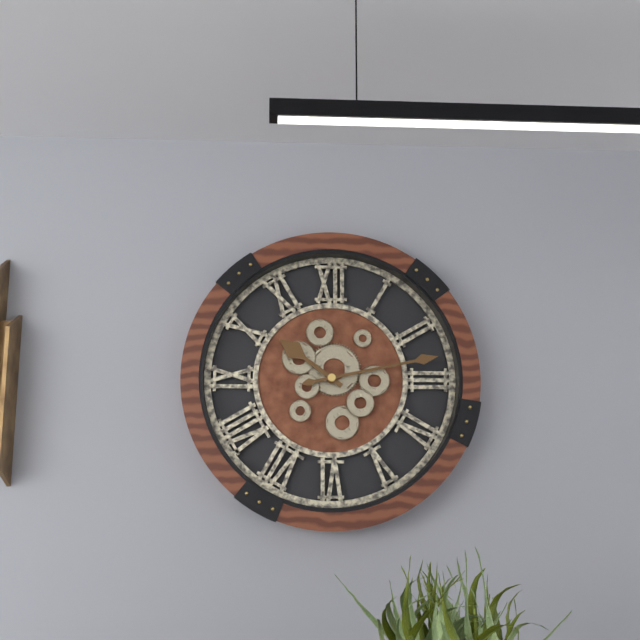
10:13
